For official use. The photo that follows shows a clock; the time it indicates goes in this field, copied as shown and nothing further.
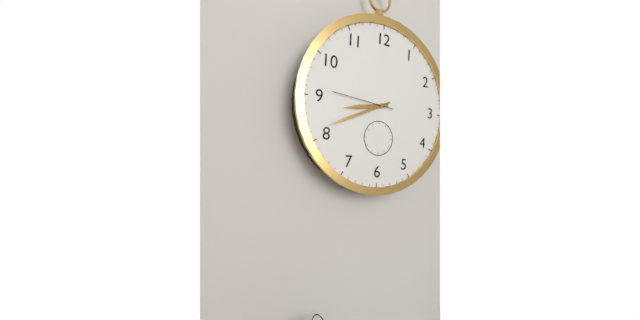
8:41:46
